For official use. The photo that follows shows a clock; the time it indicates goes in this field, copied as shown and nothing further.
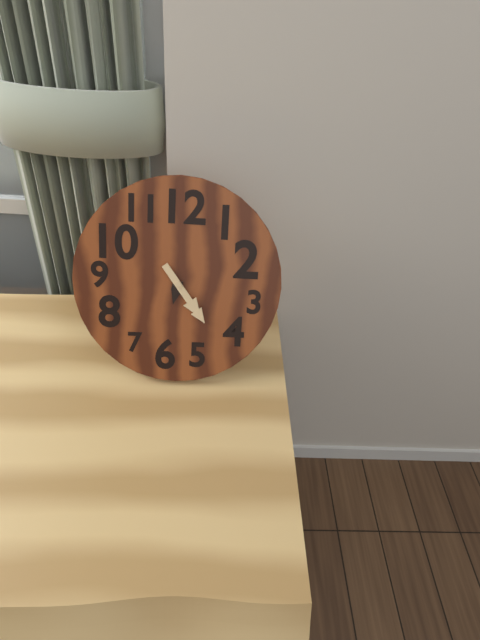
6:24
